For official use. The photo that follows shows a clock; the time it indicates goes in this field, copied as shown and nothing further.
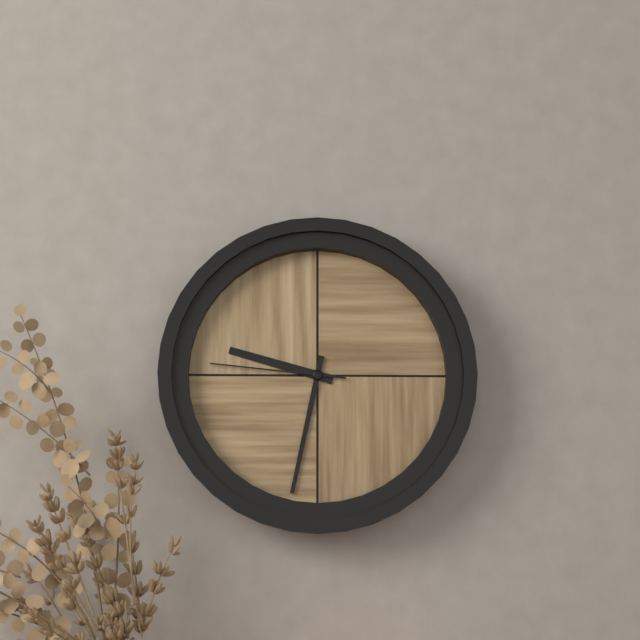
9:32:46
